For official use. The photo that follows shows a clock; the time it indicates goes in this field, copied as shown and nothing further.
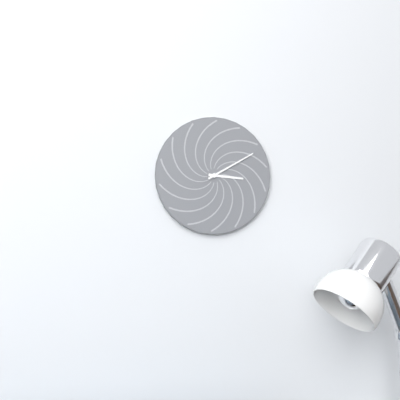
3:10
